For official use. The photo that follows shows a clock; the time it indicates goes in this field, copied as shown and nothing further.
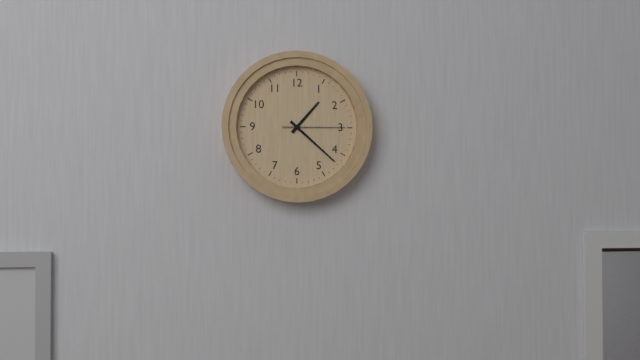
1:22:15
